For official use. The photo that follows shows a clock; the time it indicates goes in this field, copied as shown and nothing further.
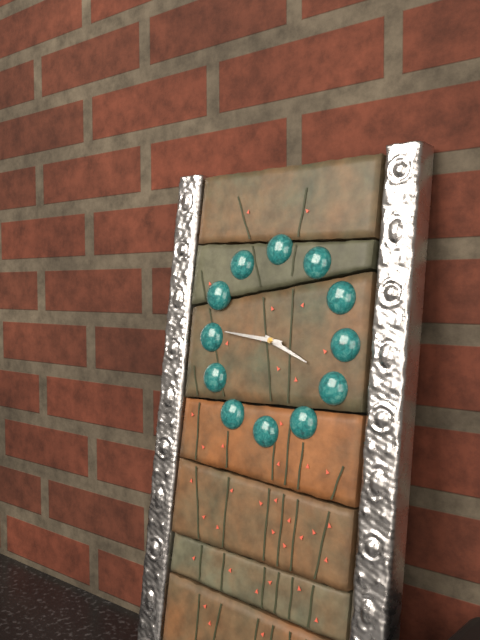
3:46
